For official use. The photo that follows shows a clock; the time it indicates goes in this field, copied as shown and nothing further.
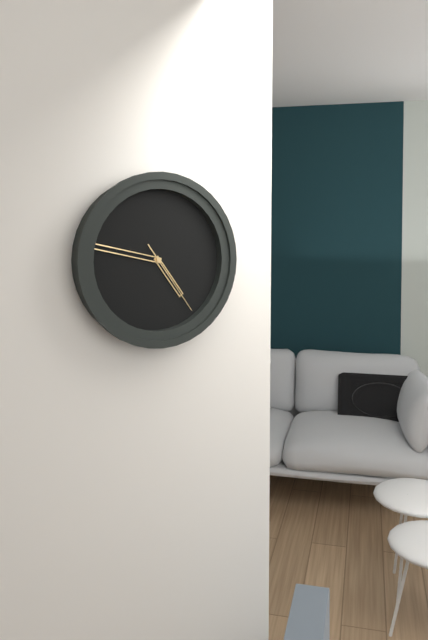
4:47:24
